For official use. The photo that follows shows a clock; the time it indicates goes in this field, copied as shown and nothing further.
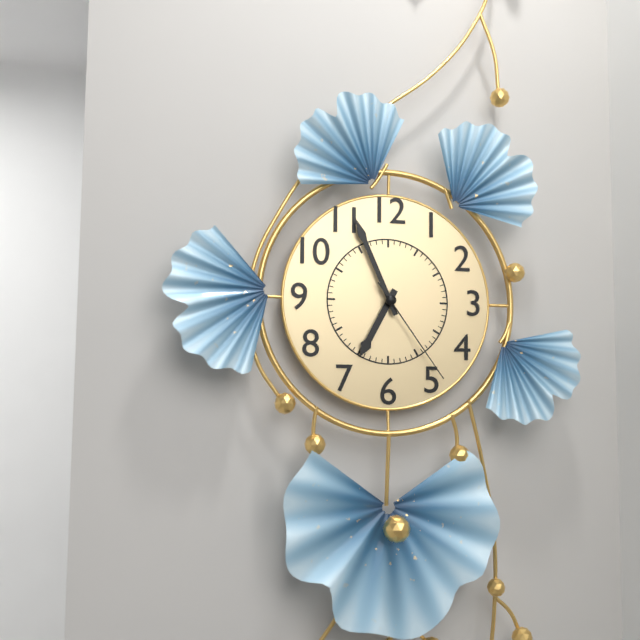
6:56:24
